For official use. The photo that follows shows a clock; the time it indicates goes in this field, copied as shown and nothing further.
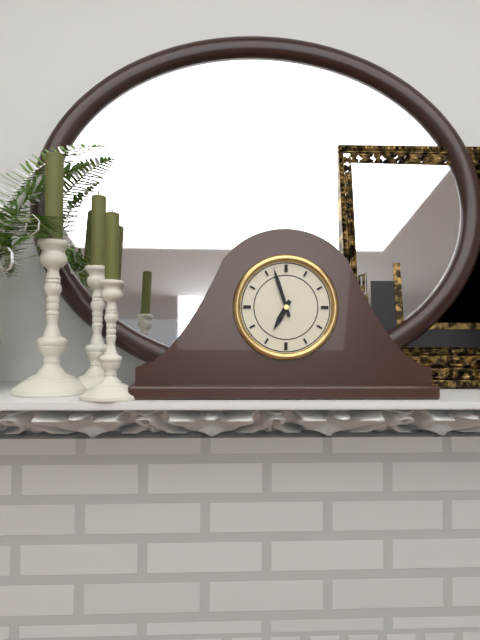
6:57
